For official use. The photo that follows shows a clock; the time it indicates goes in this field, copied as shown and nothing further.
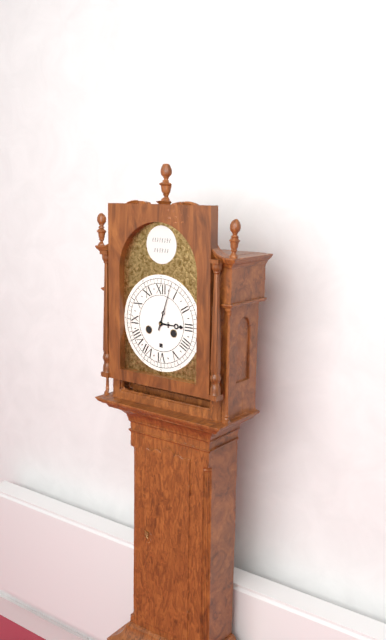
3:03
